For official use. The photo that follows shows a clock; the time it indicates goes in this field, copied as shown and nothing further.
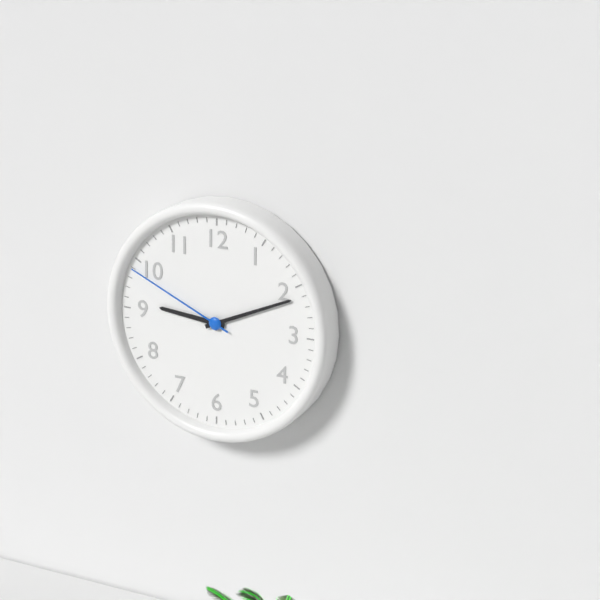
9:11:49
